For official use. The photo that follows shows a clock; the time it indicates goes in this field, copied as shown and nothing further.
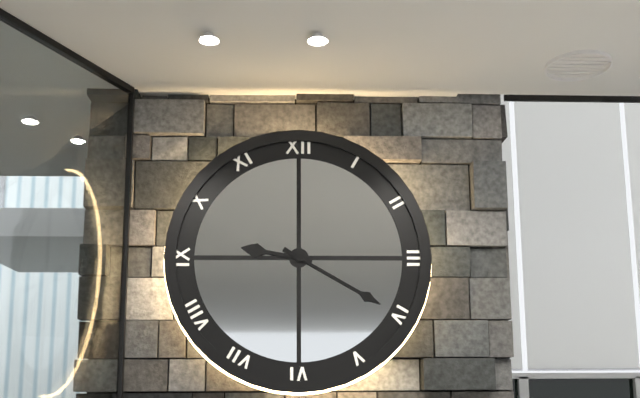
9:20
